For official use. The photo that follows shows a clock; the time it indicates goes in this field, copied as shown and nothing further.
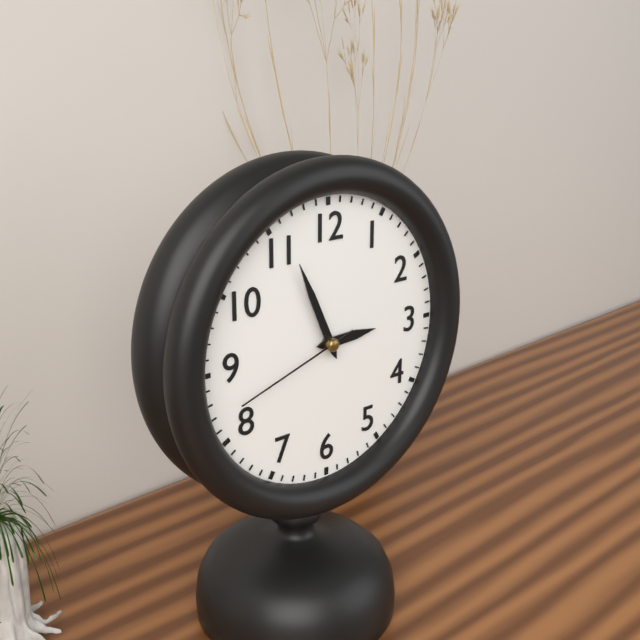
2:56:42
